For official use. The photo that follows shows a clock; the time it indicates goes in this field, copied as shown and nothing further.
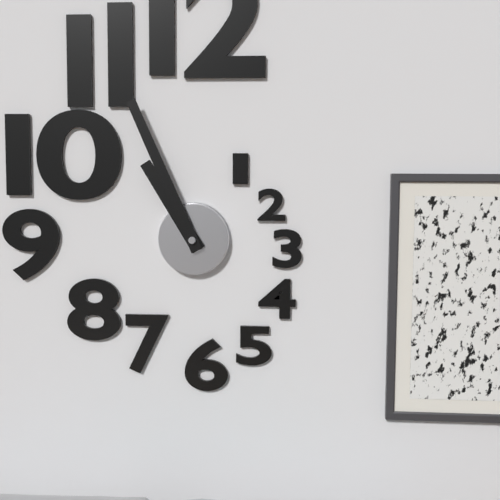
10:56
